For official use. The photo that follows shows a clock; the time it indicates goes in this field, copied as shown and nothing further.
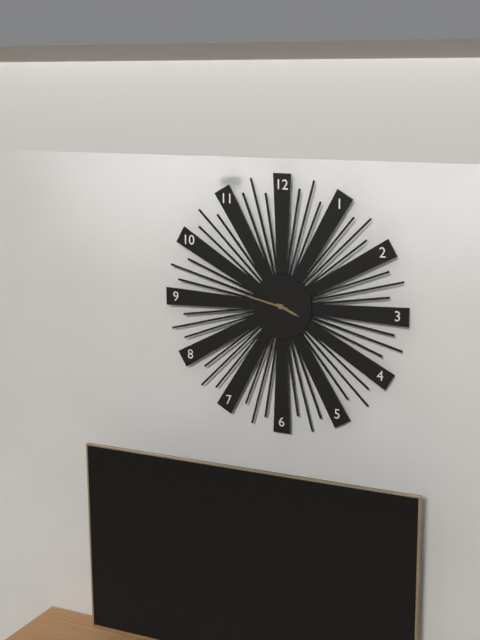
3:47
